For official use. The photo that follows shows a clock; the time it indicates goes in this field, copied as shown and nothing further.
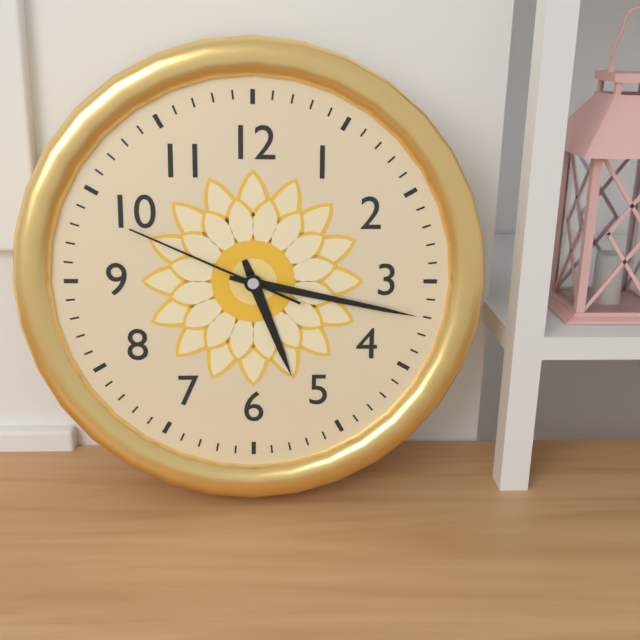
5:17:49
